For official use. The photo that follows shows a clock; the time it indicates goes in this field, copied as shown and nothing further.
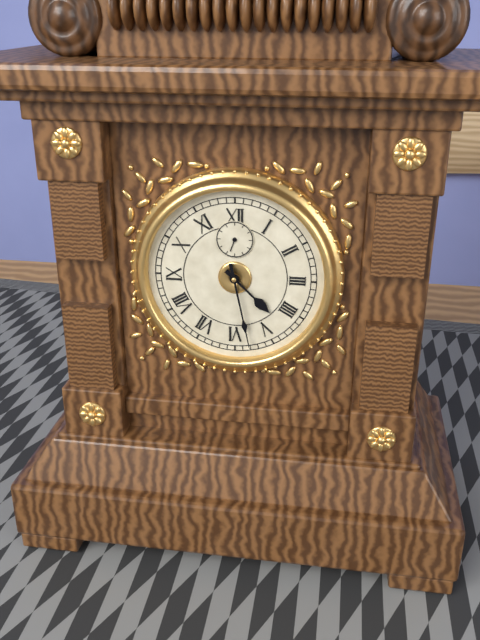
4:28
